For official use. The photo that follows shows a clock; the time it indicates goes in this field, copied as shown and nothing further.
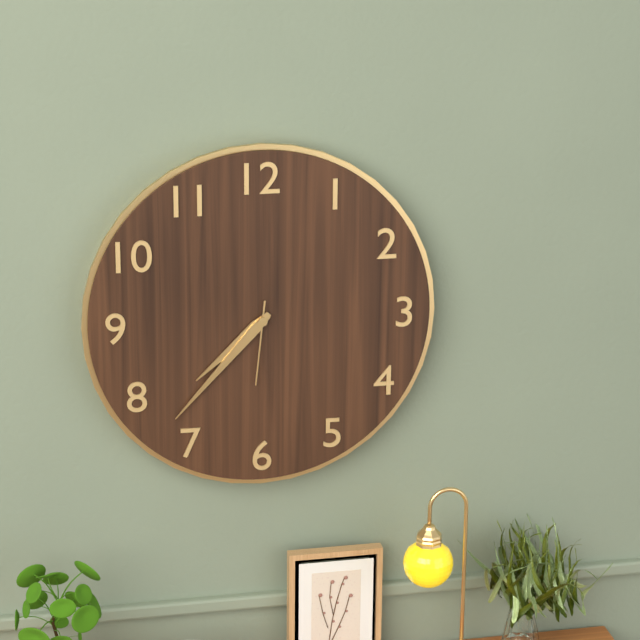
7:37:31
